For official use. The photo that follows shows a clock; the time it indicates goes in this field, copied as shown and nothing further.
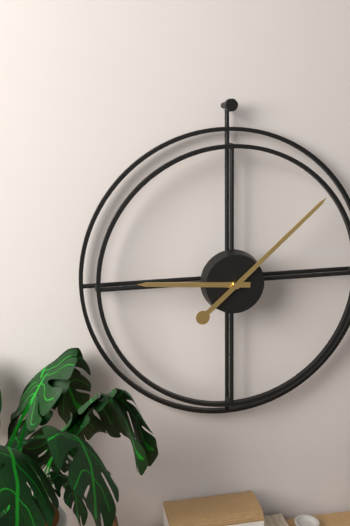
9:08
